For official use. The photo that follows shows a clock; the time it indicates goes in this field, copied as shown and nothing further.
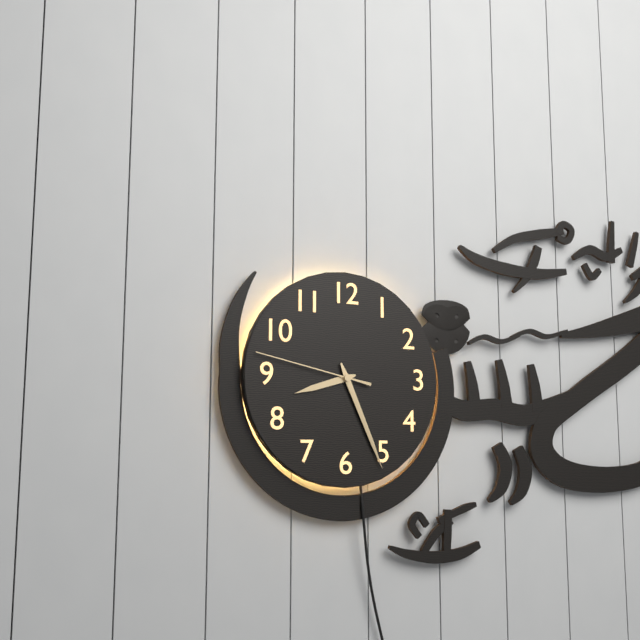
8:26:47
